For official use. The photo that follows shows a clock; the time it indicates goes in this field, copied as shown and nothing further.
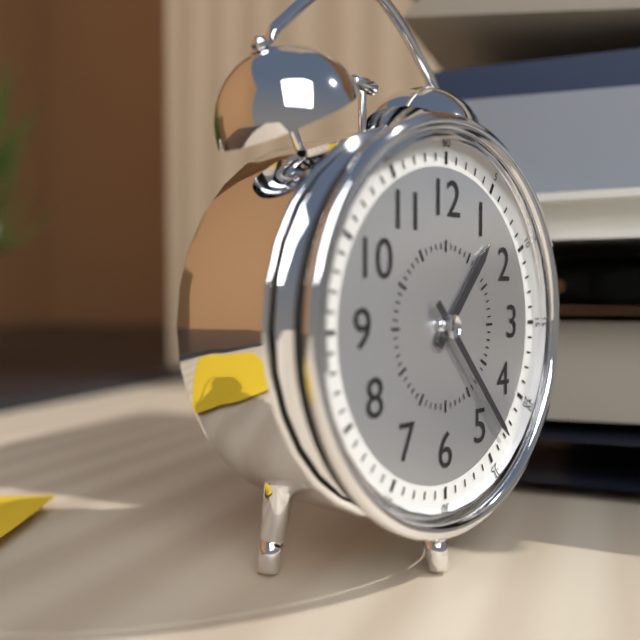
1:23
